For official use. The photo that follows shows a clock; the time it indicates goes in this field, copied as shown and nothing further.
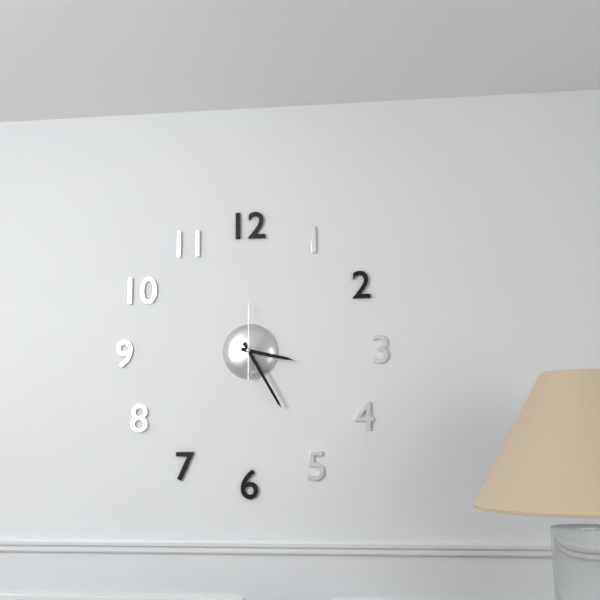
3:25:00
